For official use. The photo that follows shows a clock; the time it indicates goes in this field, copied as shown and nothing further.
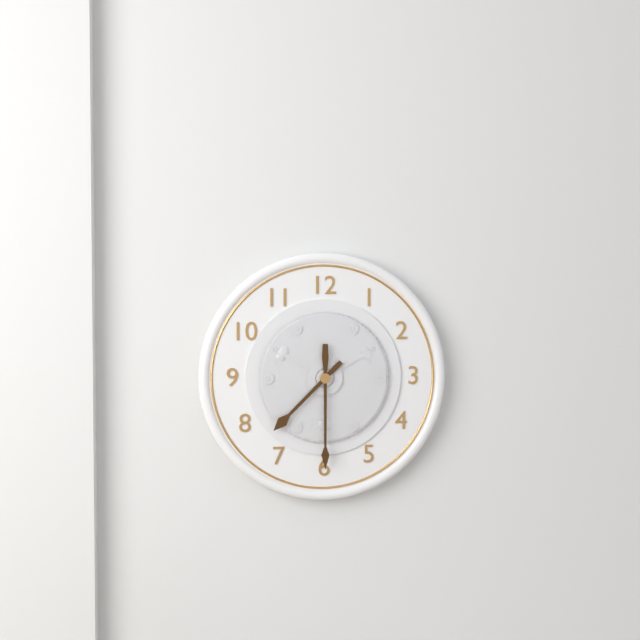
7:30
